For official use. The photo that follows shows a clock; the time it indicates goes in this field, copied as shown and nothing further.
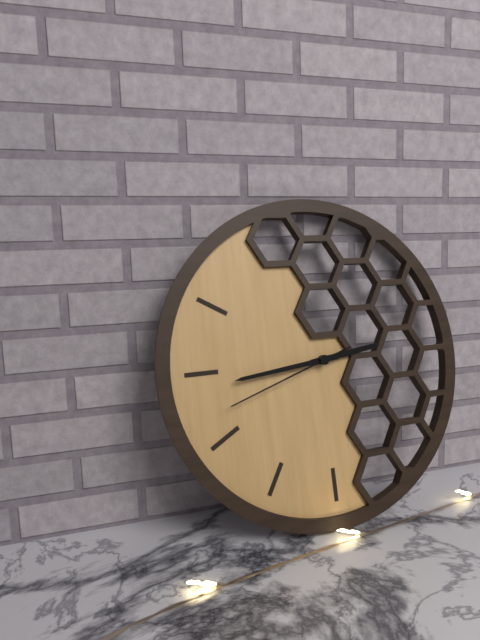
2:44:42
